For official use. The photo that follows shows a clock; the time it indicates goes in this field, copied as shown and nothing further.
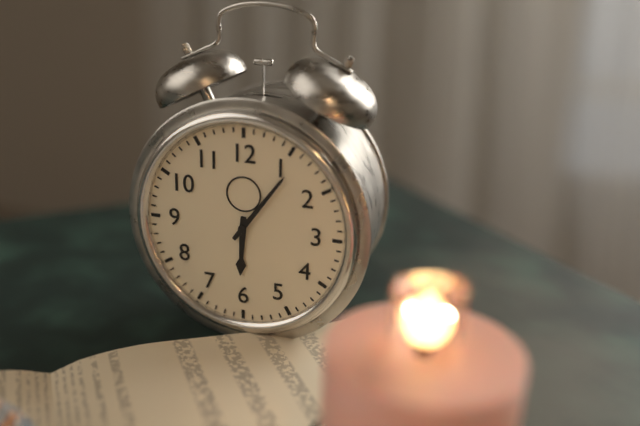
6:06
